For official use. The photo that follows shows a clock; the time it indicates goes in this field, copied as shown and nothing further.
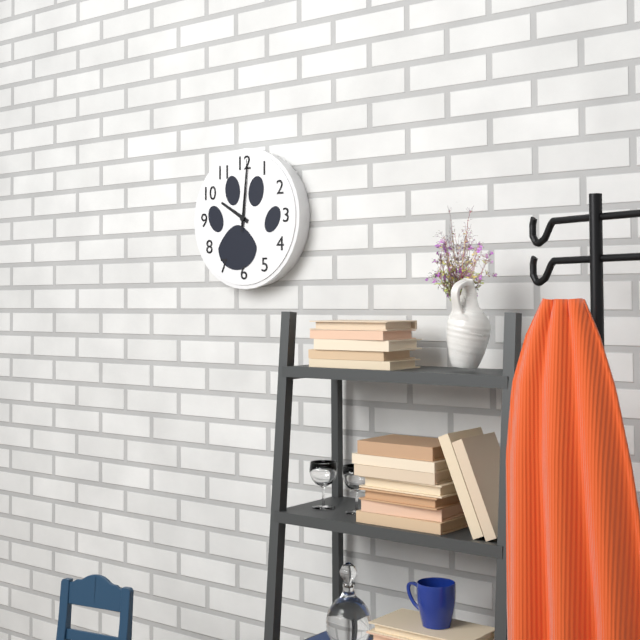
10:01:01
